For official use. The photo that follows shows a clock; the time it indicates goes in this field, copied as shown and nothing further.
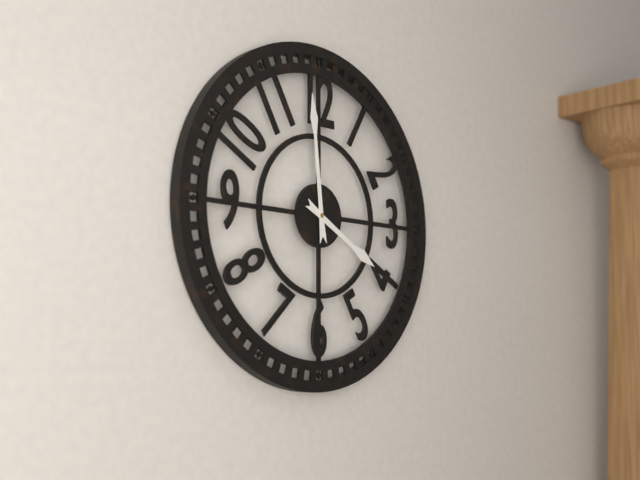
3:59
